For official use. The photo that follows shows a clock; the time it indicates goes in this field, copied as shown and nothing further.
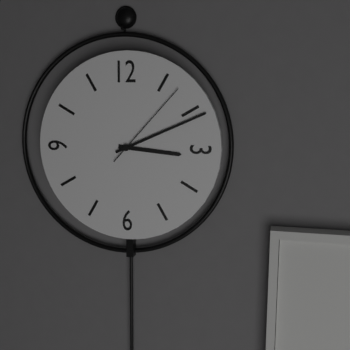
3:11:07
